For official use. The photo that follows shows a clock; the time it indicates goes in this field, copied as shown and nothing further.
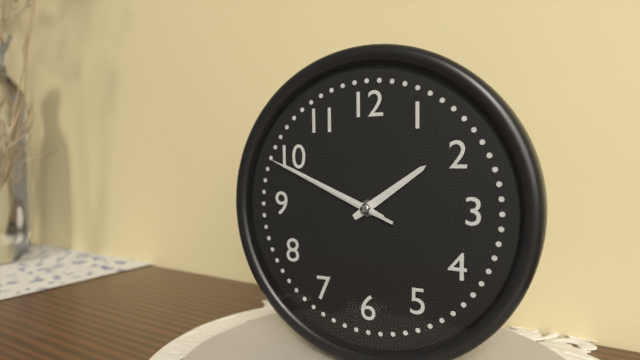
1:49:49
